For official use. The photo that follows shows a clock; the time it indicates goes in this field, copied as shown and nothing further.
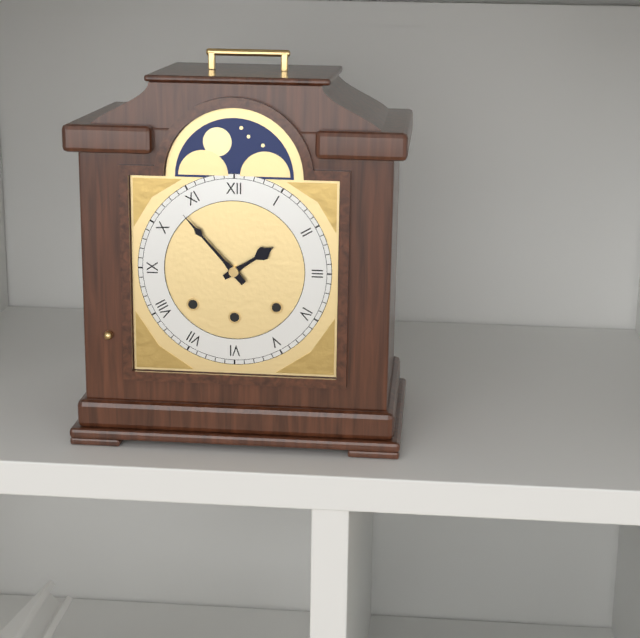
1:53
